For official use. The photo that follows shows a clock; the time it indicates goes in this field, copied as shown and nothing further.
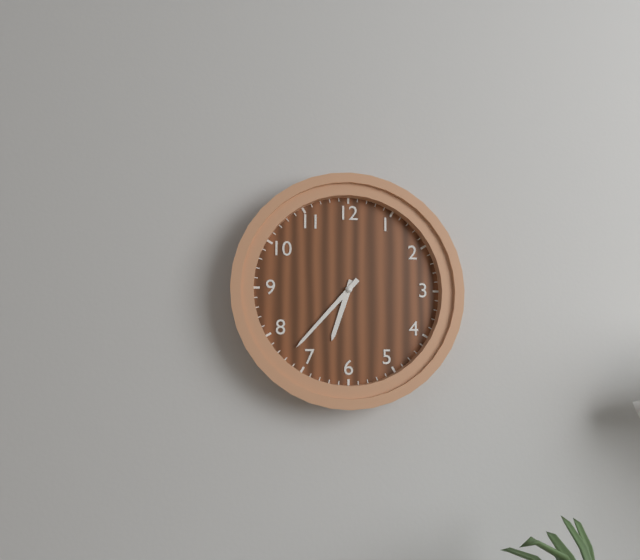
6:37
